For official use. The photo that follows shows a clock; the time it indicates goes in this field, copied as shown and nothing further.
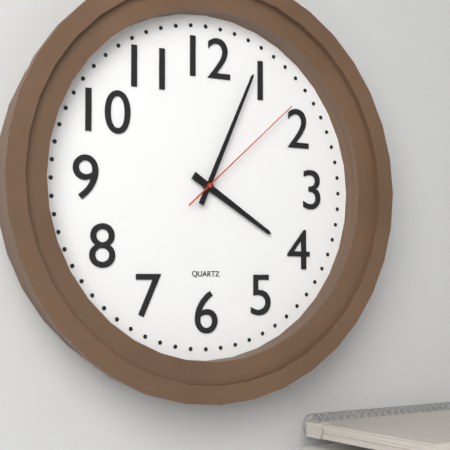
4:04:08
